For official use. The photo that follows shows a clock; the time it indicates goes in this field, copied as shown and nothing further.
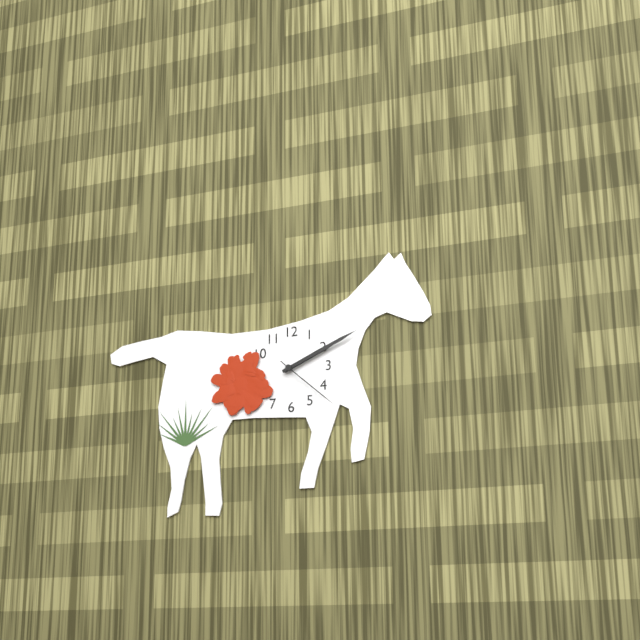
2:11:22
